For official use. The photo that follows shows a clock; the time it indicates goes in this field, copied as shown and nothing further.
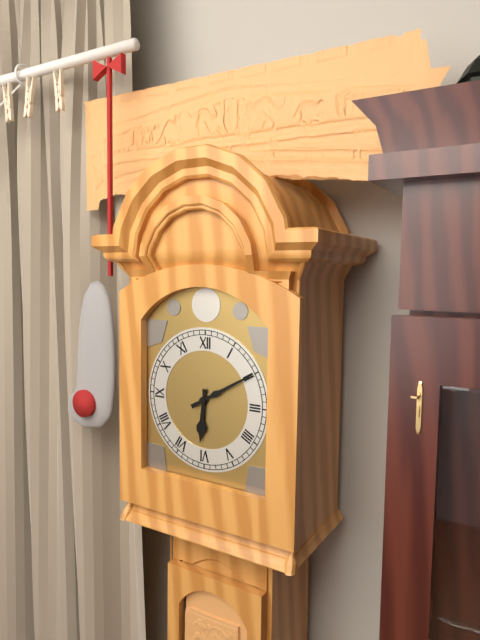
6:10
